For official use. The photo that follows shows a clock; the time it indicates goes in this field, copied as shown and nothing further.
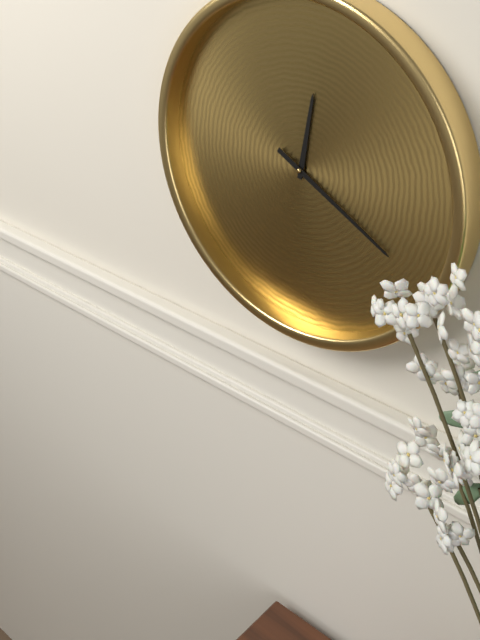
12:20
